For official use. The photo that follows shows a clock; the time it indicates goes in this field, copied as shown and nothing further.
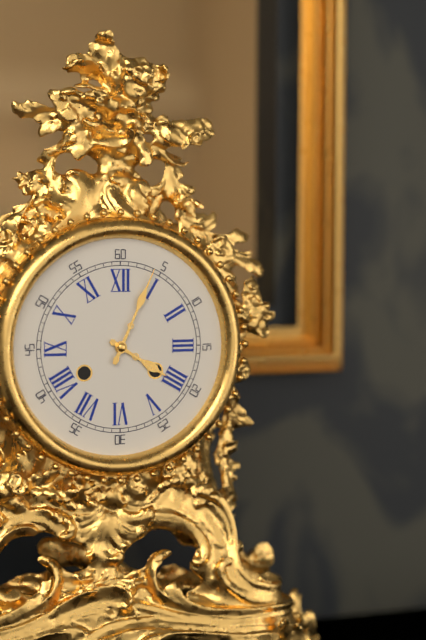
4:04
